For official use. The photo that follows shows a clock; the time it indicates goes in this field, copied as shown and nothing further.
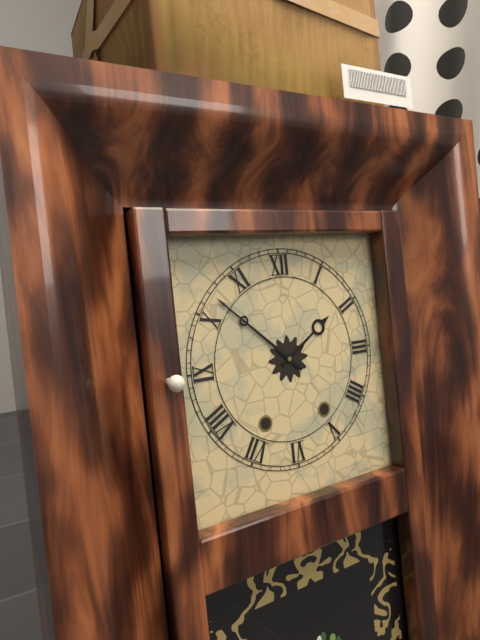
1:52
